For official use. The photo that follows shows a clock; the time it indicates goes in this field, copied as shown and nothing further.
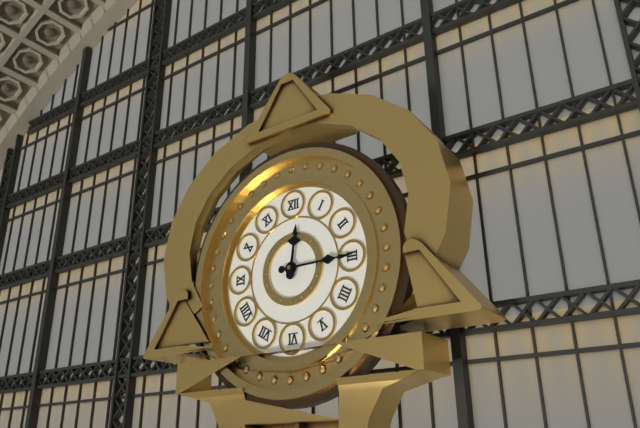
12:15
